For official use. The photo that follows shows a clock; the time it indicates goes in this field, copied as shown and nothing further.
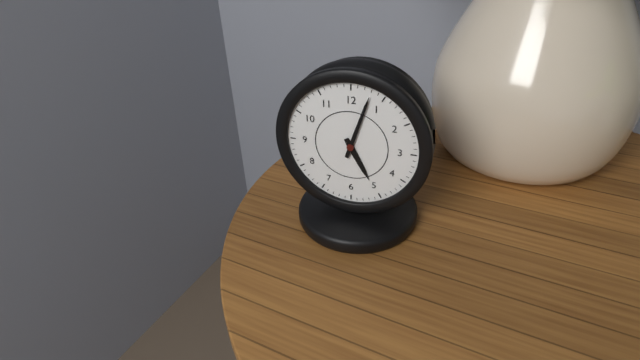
5:03
